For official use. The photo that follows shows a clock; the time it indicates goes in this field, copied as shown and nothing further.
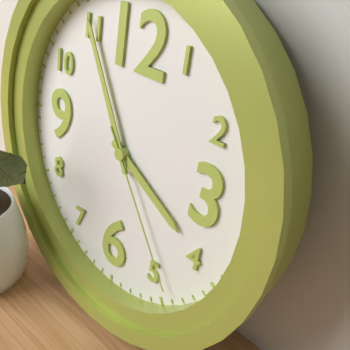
3:55:24
